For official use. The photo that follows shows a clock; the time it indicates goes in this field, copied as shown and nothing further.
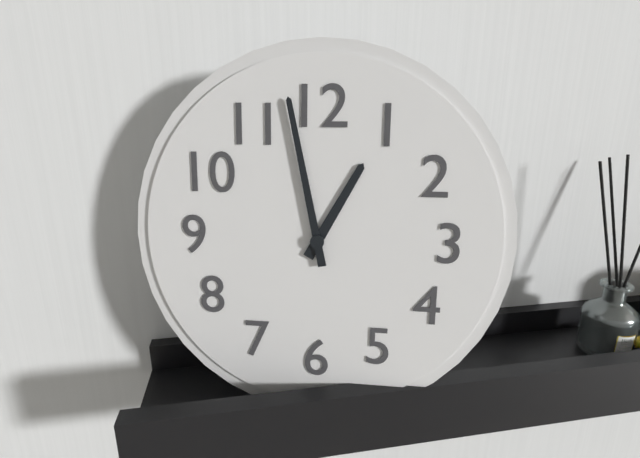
12:58
